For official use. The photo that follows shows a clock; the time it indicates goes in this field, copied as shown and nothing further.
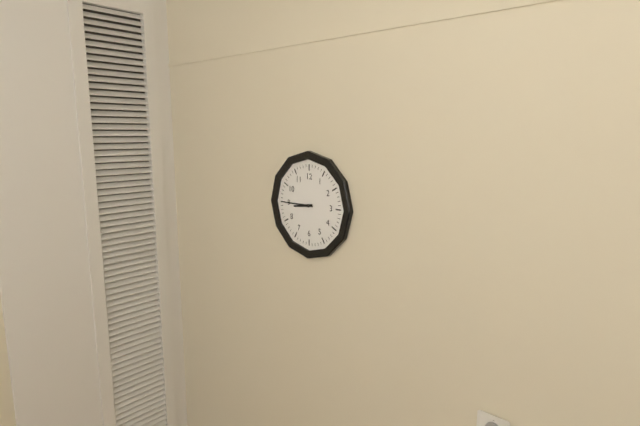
8:45
